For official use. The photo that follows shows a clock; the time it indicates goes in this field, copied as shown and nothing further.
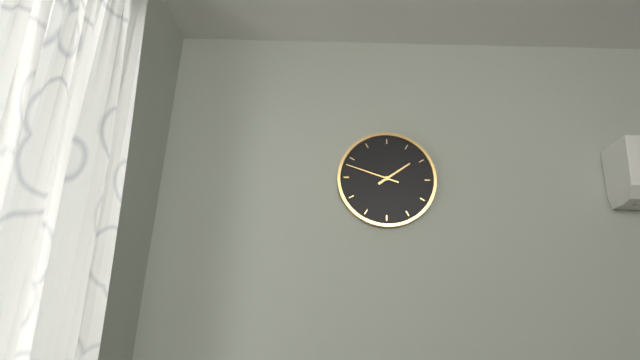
1:48
